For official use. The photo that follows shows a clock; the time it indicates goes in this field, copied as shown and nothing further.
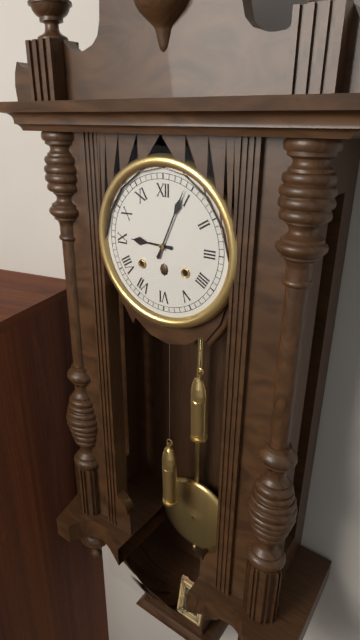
9:04
